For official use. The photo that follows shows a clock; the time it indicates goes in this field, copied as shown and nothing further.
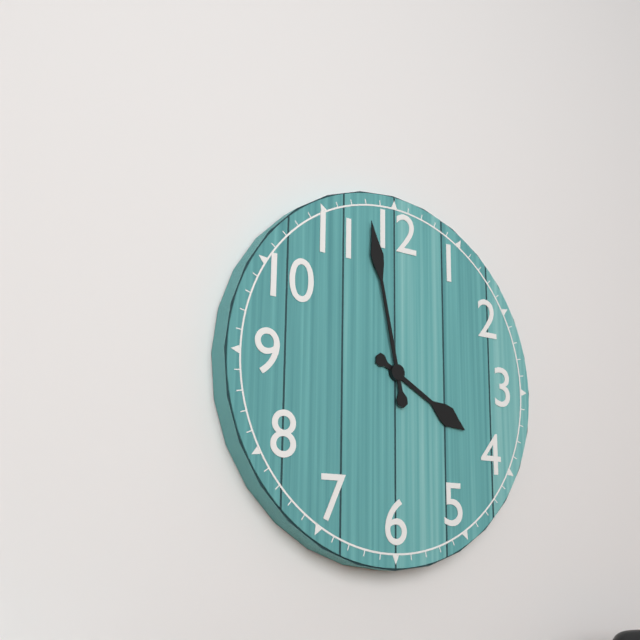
3:58
